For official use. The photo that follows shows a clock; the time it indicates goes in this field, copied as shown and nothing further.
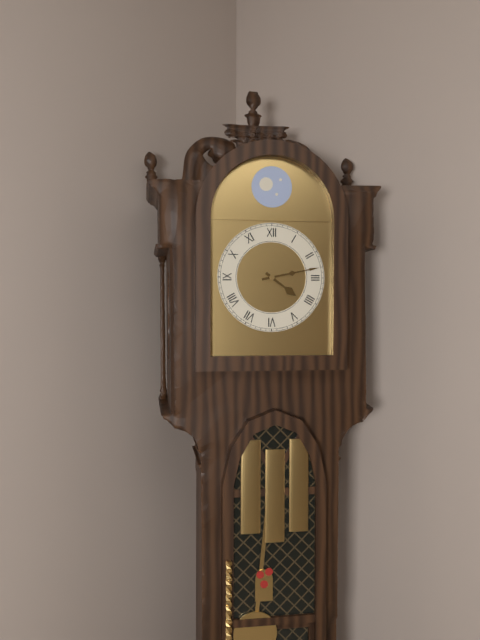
4:13
